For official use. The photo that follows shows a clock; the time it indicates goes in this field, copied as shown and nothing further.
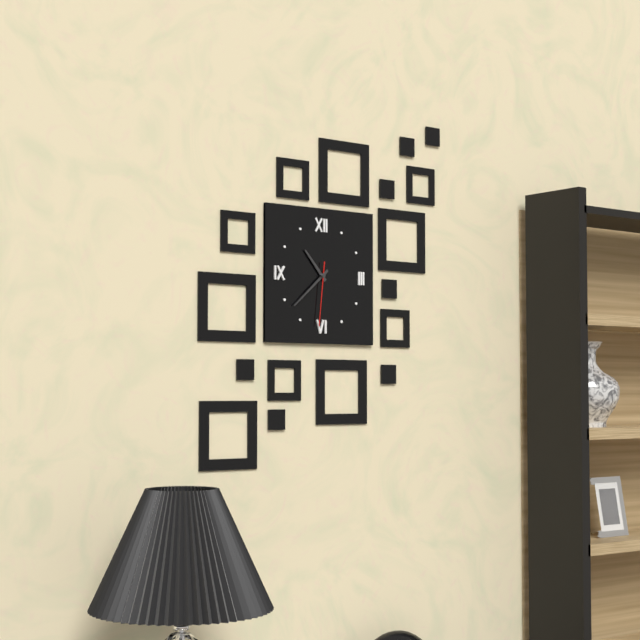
10:38:31
